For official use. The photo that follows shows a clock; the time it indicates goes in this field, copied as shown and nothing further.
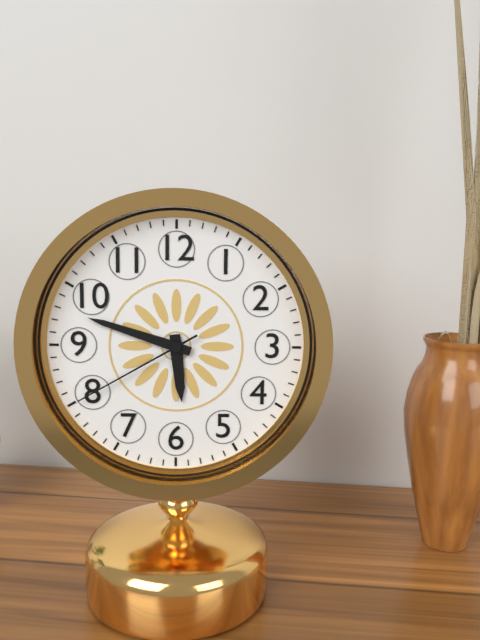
5:48:40
